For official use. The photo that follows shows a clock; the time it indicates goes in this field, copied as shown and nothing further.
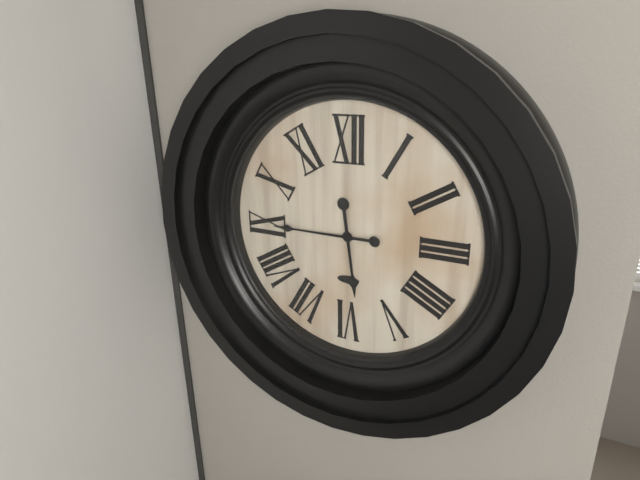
5:45
